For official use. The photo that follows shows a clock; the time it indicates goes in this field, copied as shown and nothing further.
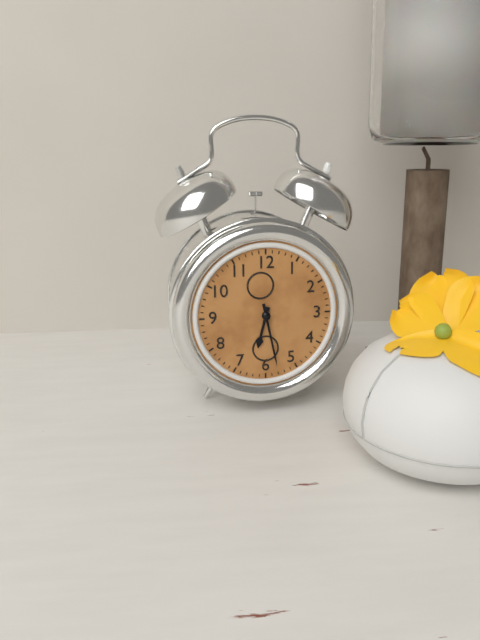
6:28
